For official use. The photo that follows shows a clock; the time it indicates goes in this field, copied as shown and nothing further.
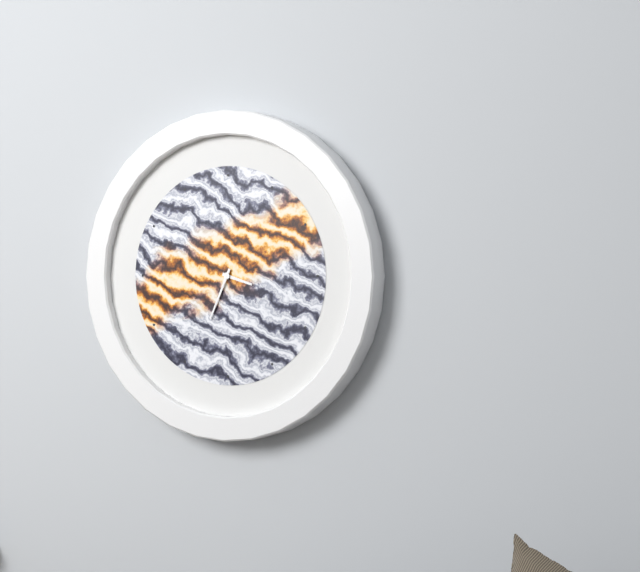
3:34
